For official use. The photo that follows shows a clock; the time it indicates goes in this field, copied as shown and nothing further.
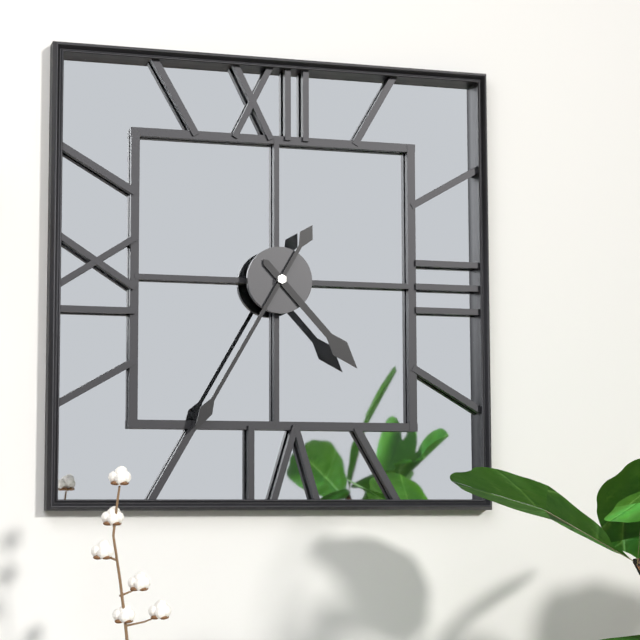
4:35
